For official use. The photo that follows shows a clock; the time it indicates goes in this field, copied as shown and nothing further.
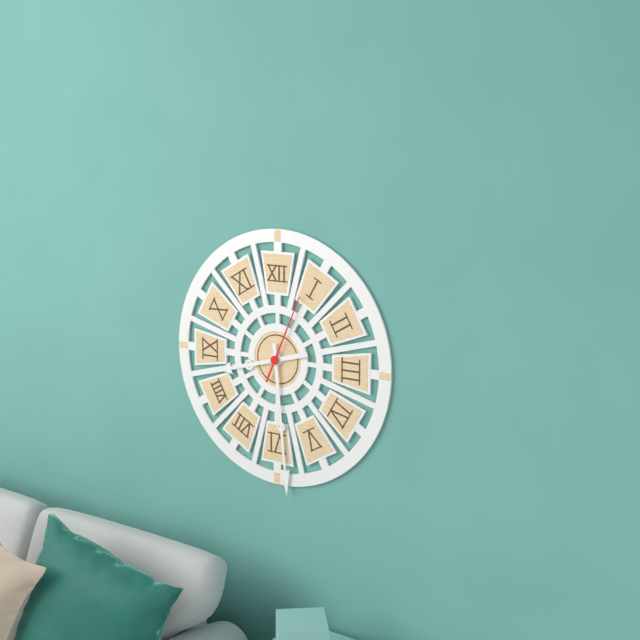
8:29:04
